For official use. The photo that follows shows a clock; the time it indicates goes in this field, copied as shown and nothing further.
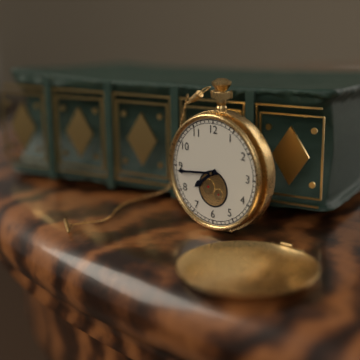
7:44
